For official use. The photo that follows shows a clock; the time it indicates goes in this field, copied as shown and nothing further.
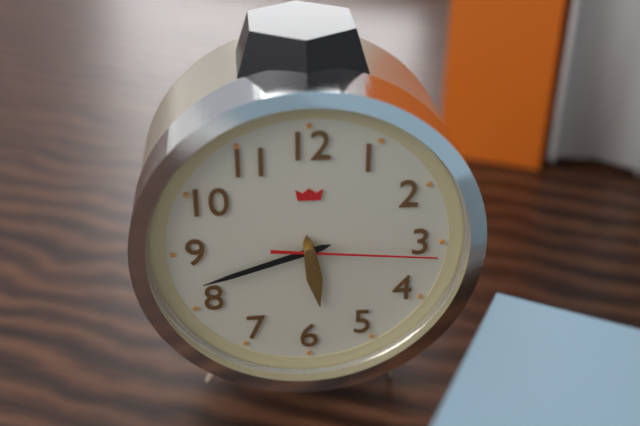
5:42:16
